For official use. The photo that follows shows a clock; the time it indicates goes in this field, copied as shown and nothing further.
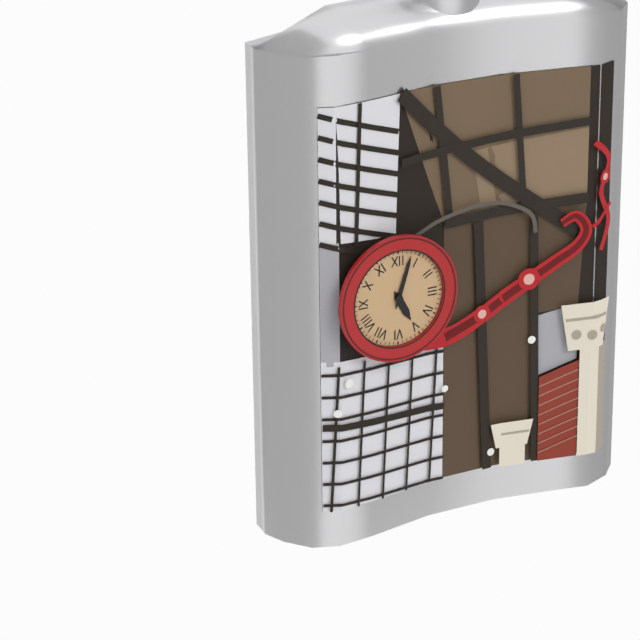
5:03
